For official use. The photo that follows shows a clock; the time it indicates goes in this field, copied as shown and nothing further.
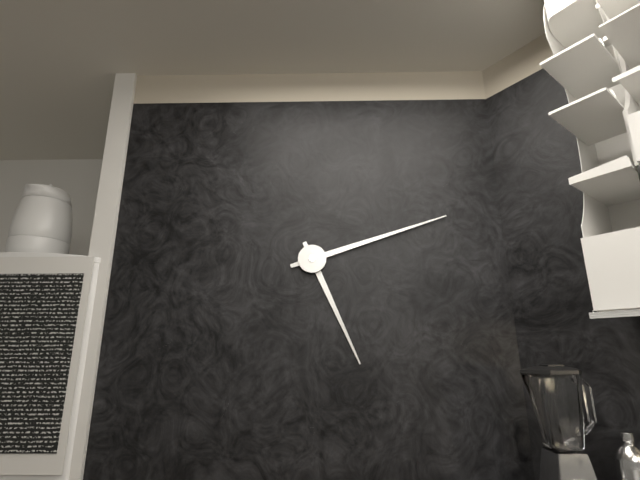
5:12
